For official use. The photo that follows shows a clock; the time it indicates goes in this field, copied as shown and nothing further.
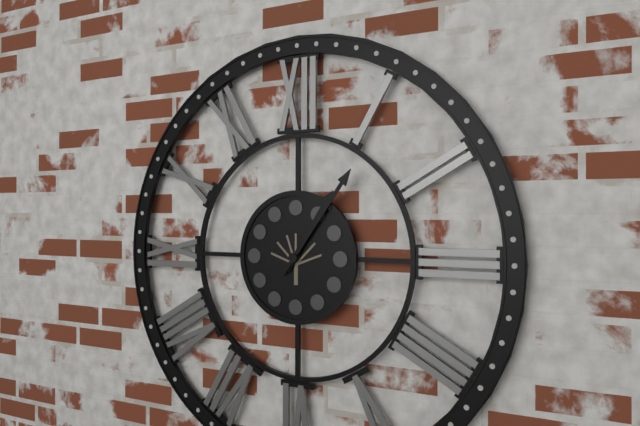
1:06
